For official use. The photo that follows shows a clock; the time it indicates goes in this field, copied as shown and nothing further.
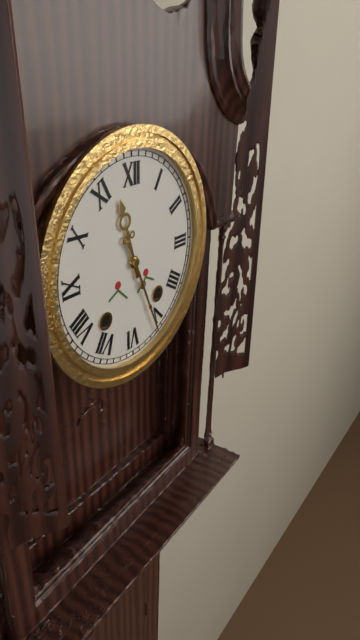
11:26
